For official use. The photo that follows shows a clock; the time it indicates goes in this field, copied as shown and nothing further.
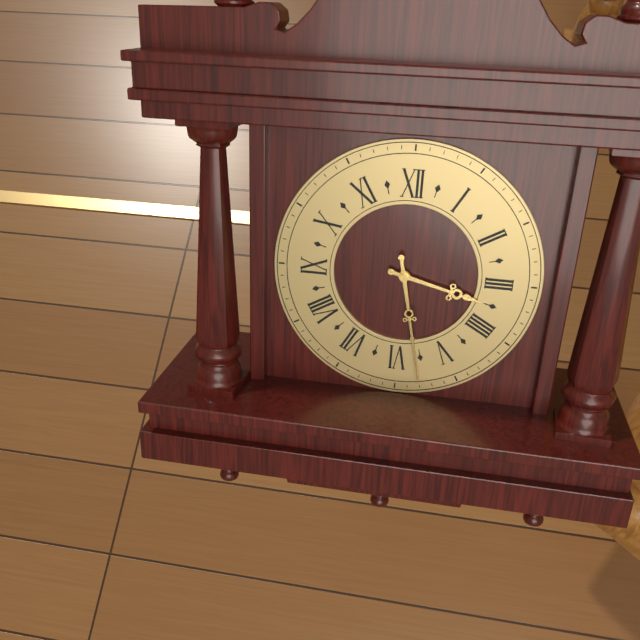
3:28
